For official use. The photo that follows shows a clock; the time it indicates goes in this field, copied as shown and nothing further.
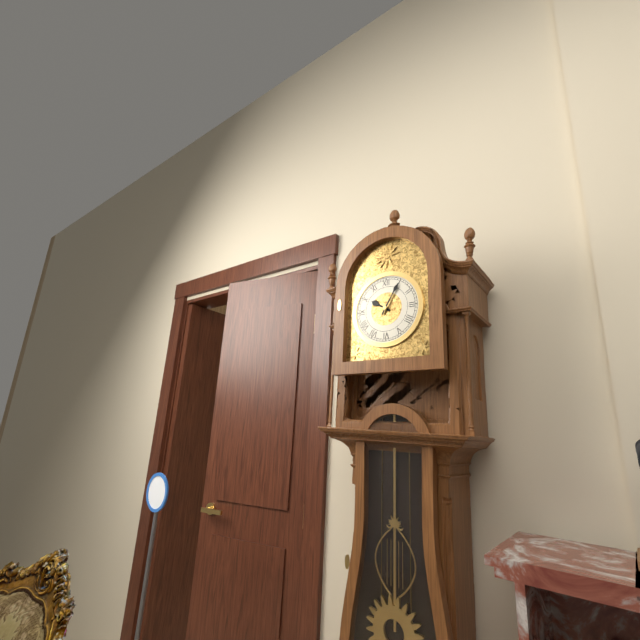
10:05
